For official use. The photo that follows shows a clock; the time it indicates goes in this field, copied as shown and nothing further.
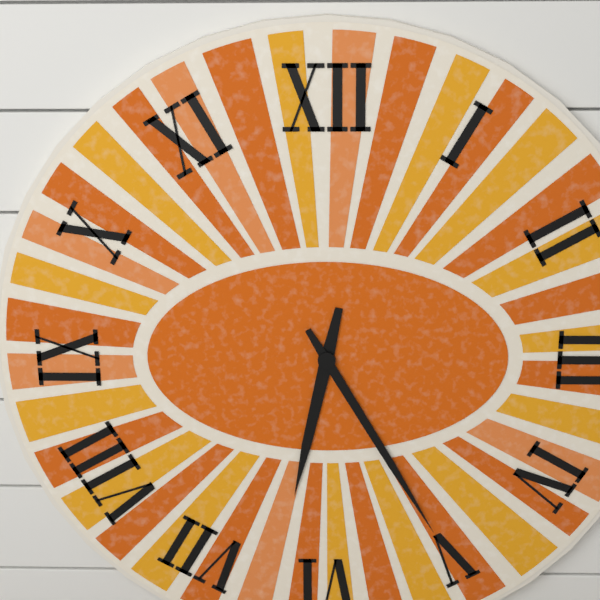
6:25
